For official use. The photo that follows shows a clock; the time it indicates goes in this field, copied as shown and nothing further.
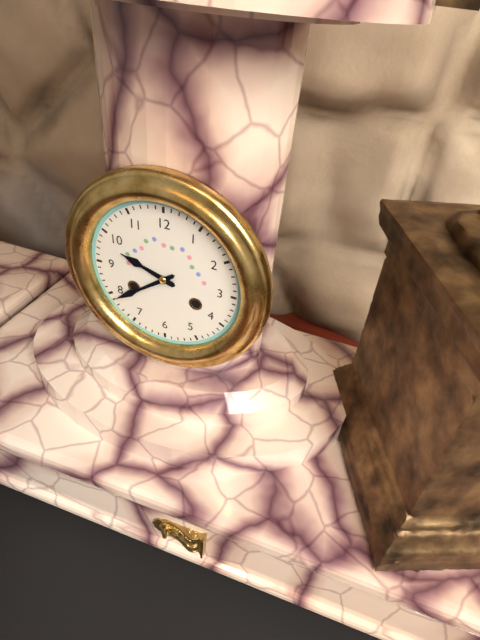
9:39
